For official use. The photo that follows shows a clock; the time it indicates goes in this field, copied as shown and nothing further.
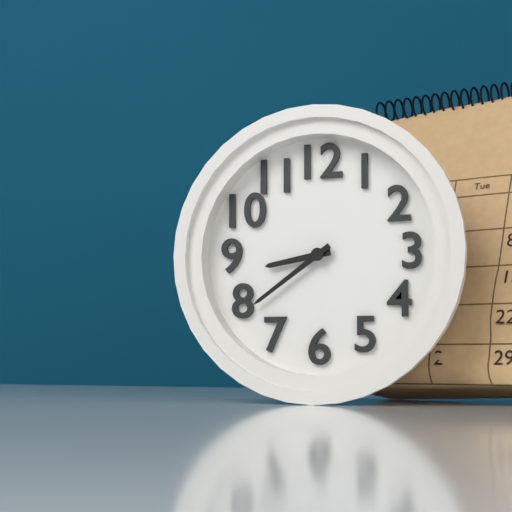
8:39
